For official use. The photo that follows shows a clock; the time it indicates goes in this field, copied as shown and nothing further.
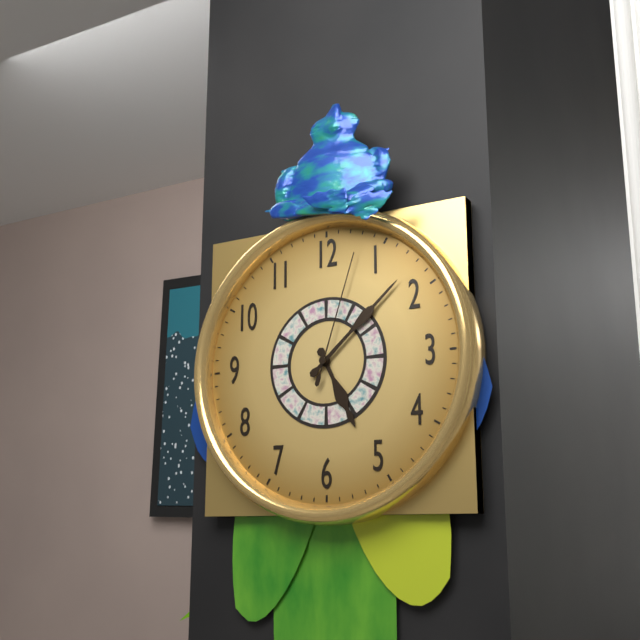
5:08:03
